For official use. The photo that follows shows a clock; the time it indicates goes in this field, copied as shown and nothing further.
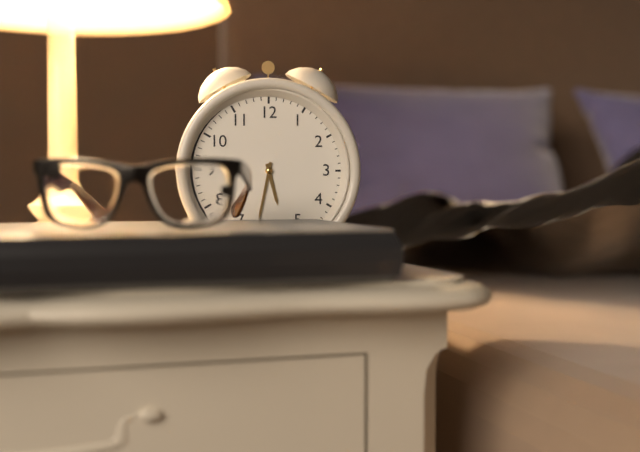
5:32
